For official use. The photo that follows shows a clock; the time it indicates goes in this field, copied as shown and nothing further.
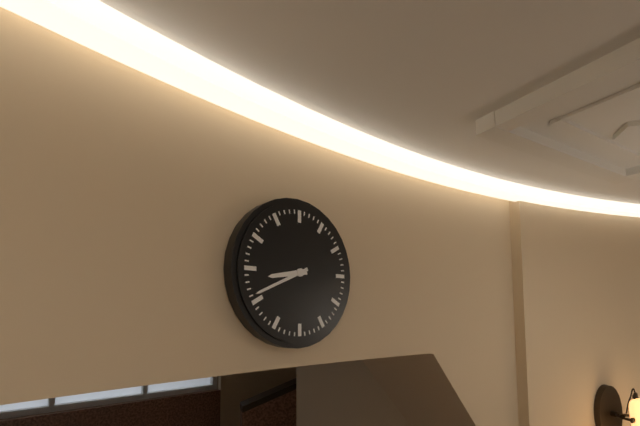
8:41
